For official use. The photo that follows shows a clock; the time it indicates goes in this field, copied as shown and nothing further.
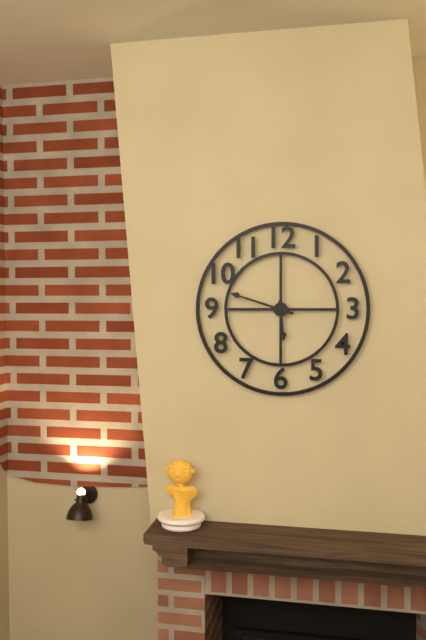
5:48
